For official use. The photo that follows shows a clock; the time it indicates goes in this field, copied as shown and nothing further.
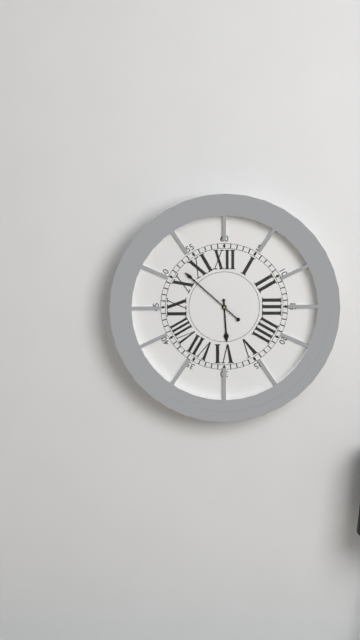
5:52
